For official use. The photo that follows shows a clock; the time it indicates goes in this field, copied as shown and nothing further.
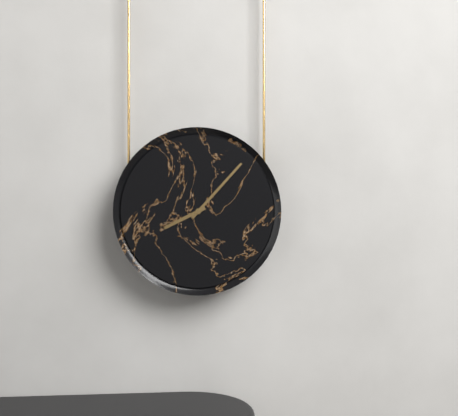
8:07
